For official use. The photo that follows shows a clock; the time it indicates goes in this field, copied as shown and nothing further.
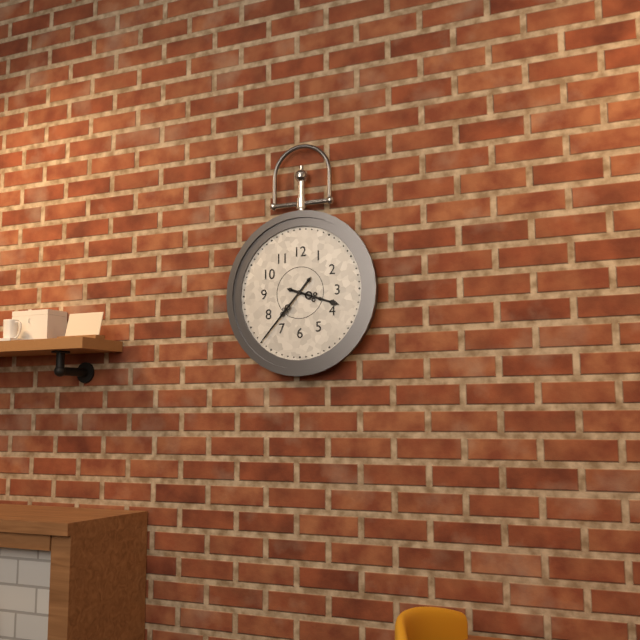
3:37
